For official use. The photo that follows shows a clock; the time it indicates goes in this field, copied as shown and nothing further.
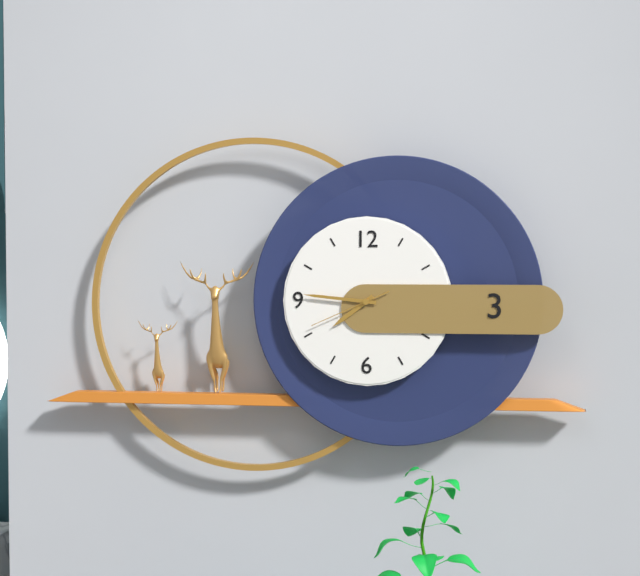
7:46:41
